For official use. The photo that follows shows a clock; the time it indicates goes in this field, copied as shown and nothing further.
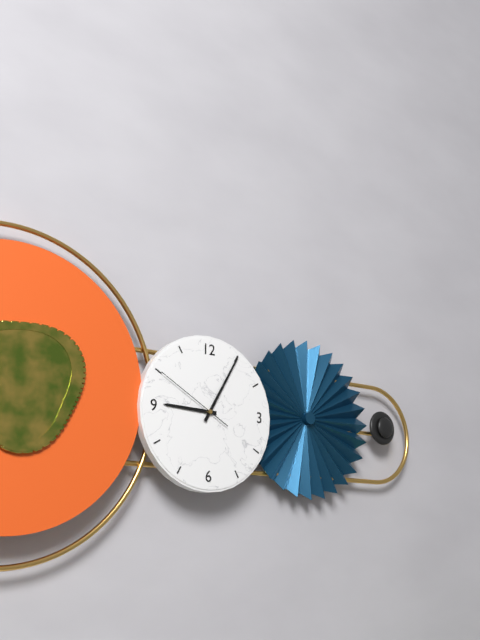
9:05:50
